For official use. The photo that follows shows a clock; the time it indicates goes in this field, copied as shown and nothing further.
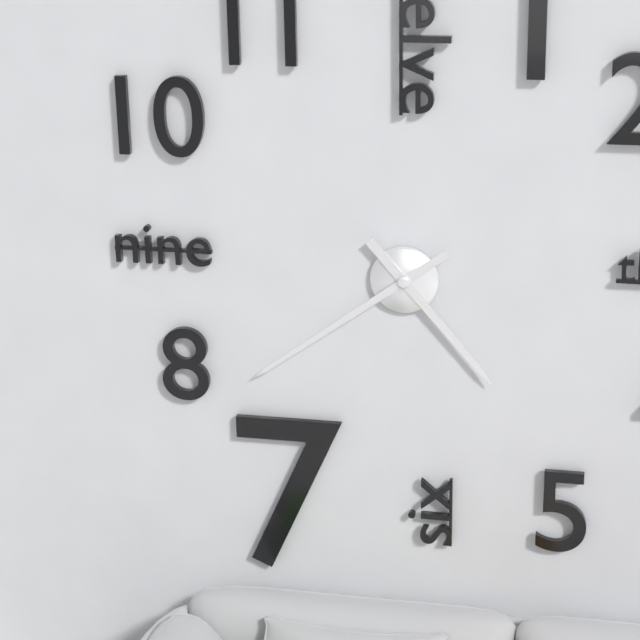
4:39
